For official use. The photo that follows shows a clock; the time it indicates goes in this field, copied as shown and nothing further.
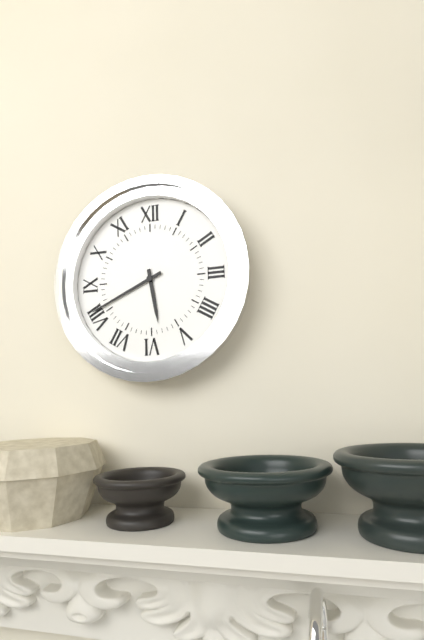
5:41
